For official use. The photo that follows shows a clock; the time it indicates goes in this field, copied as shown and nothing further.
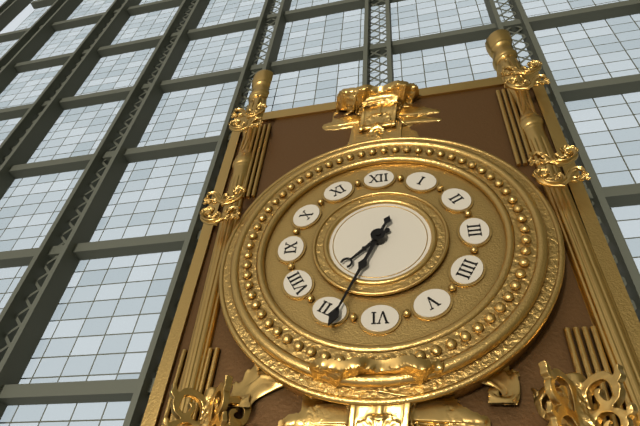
7:34
